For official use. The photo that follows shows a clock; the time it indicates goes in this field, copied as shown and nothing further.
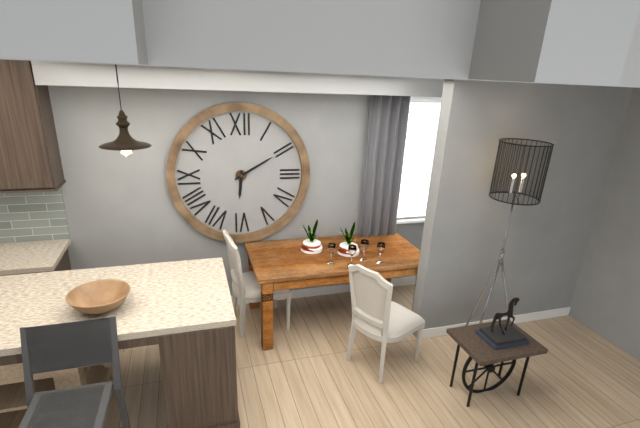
6:10
